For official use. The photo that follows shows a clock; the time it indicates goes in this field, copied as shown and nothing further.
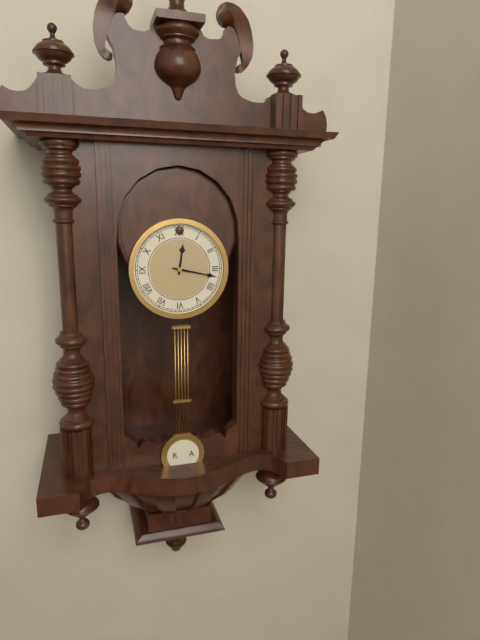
12:17
